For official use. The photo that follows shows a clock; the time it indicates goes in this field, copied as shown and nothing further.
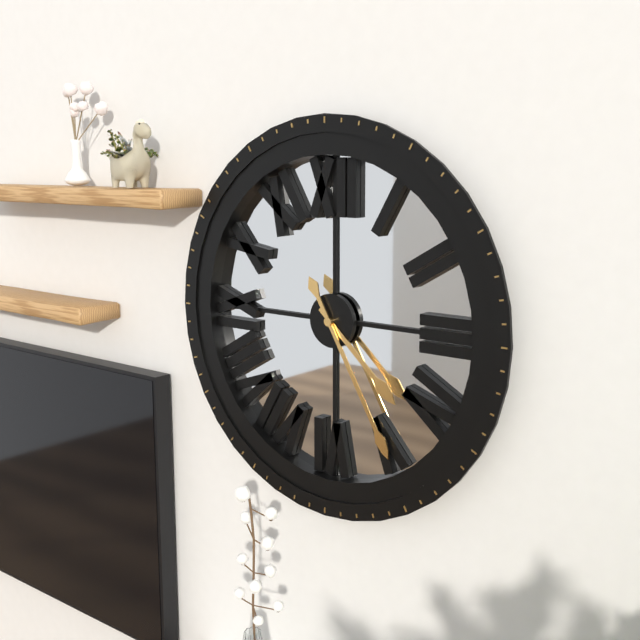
4:25
